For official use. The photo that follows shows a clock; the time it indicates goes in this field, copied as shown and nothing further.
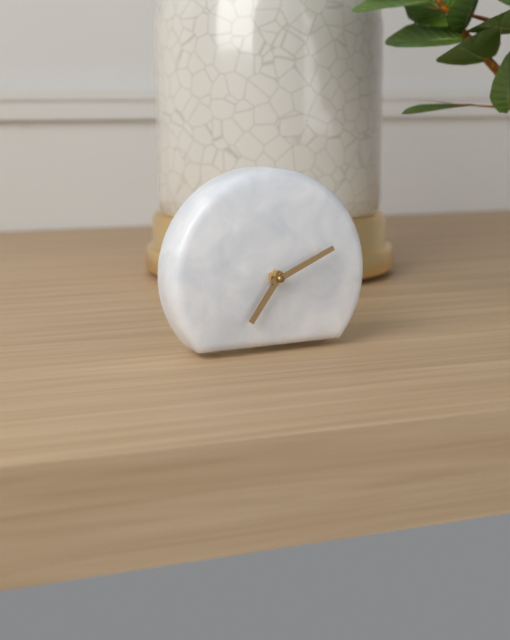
7:11
